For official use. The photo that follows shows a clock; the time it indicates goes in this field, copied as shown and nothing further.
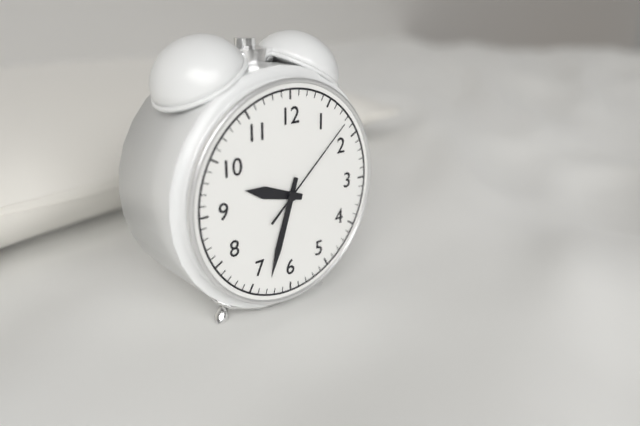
9:33:08
